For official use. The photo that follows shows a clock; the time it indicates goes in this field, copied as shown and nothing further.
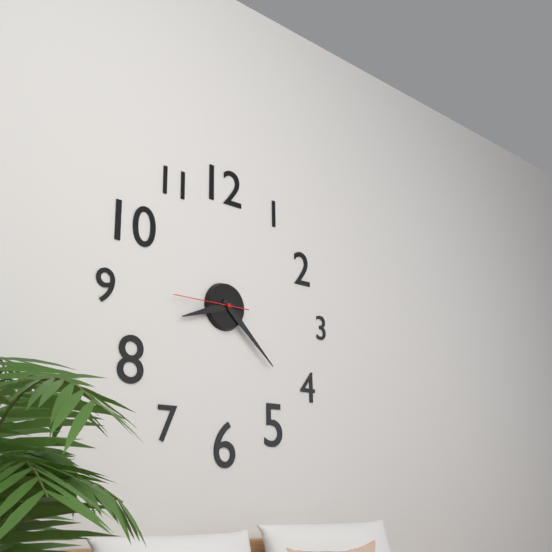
8:22:45
